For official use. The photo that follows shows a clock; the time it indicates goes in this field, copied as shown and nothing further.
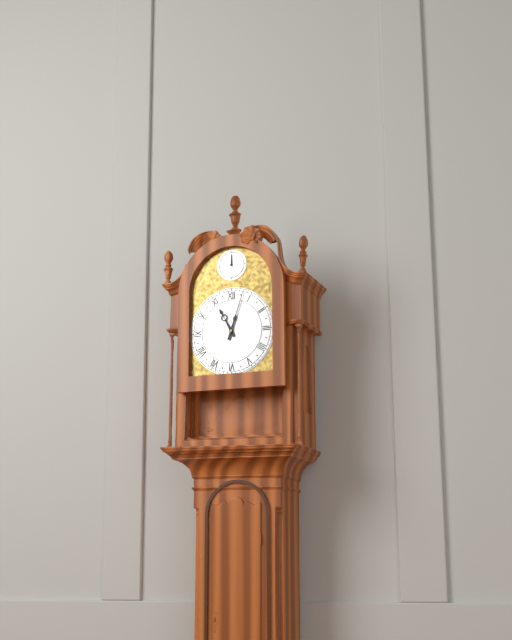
11:03
